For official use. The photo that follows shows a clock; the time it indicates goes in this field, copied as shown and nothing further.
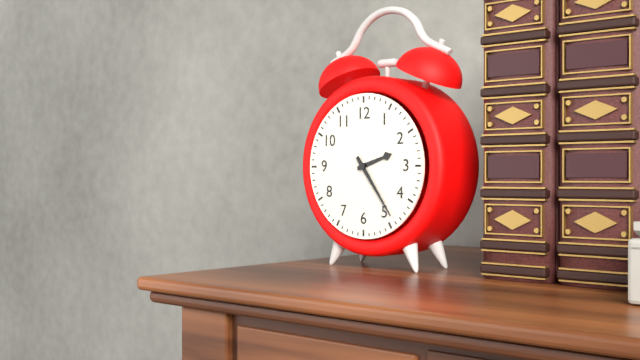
2:24
